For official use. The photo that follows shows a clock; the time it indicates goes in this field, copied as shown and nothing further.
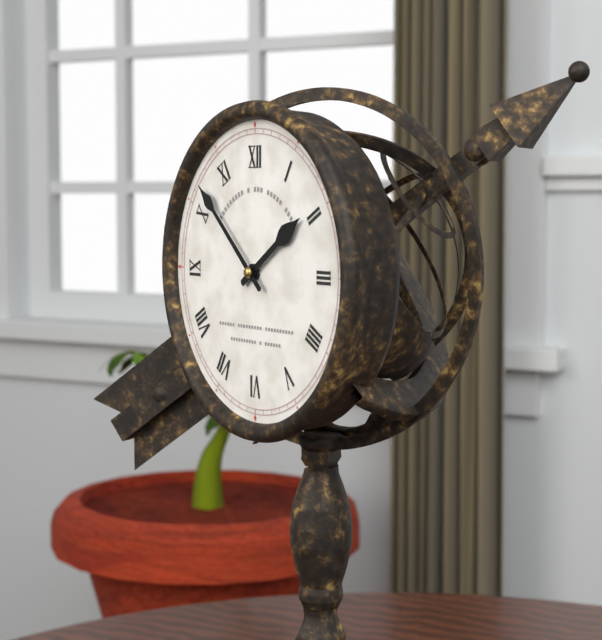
1:52
